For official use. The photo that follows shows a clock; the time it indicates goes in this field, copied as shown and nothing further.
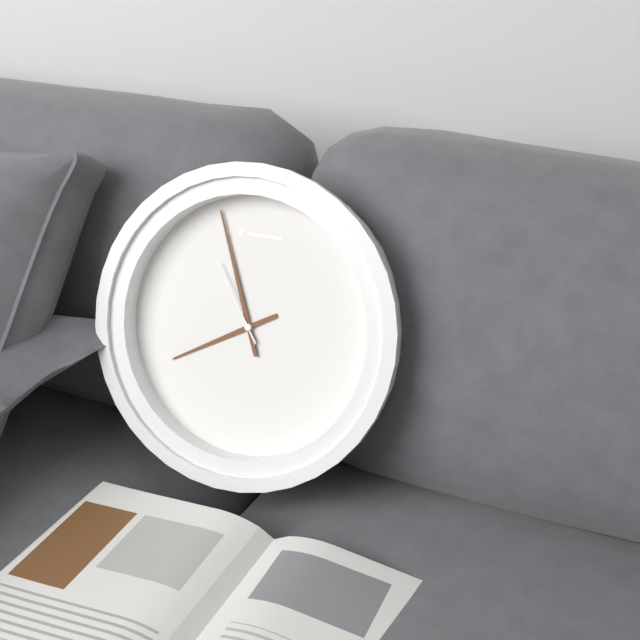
7:56:54
